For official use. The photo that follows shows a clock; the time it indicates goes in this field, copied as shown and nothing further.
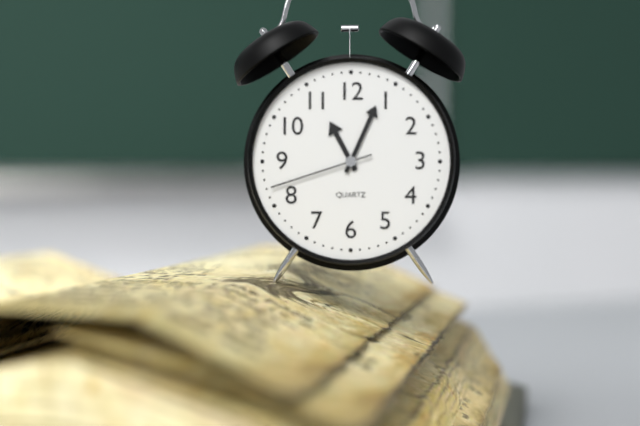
11:04:42
